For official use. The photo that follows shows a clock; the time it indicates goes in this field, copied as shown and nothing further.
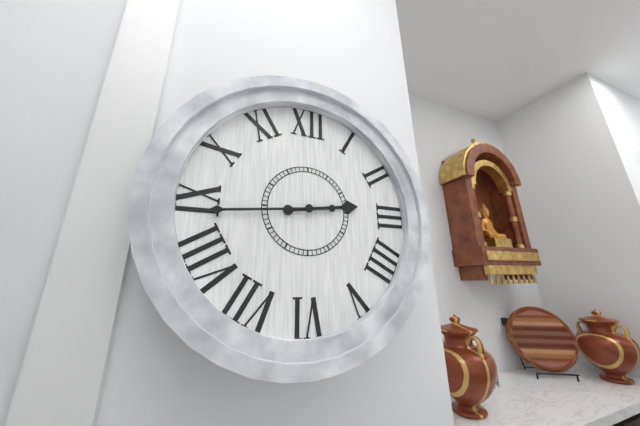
2:44
